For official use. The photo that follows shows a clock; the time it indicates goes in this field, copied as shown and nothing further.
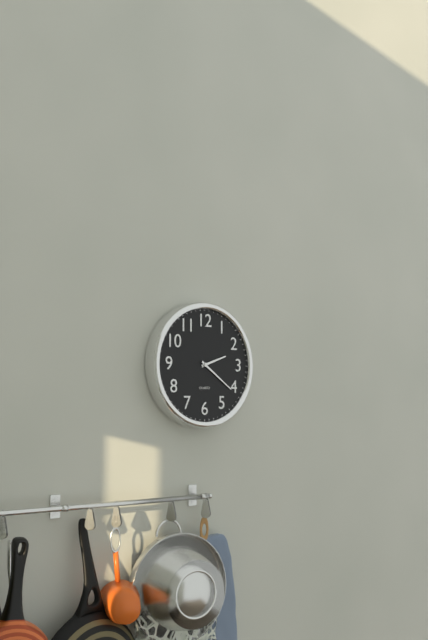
2:21
